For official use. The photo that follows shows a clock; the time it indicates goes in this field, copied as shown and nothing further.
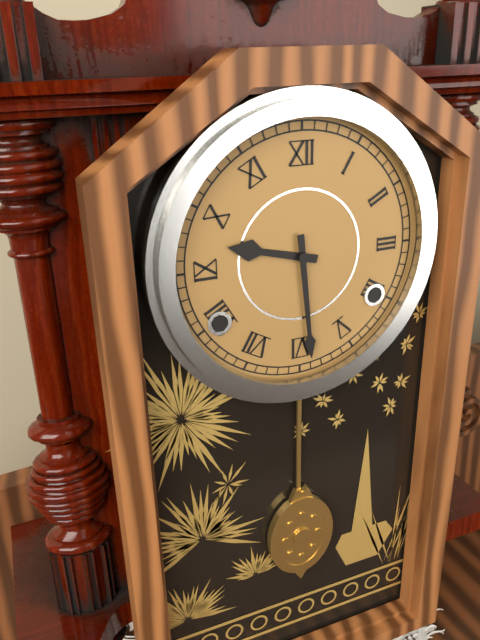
9:29
